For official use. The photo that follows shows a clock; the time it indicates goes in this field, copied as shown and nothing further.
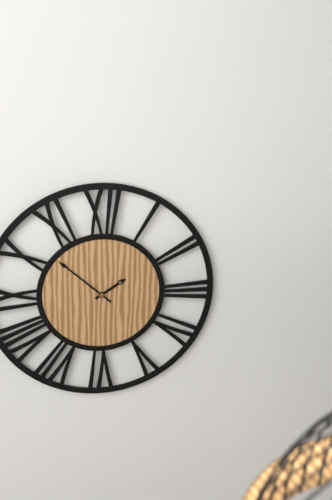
1:52
